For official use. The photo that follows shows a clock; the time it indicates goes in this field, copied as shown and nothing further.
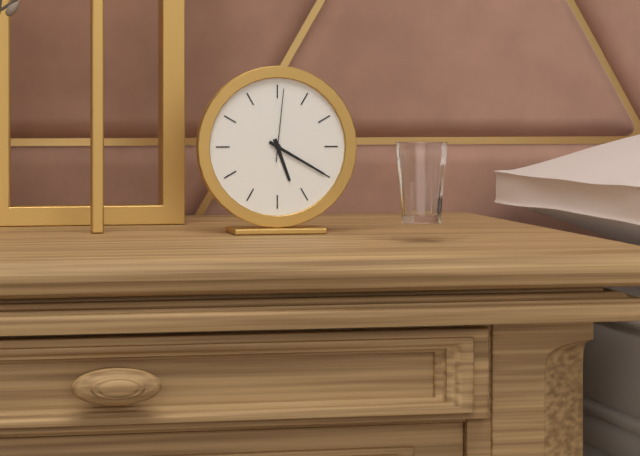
5:20:01
